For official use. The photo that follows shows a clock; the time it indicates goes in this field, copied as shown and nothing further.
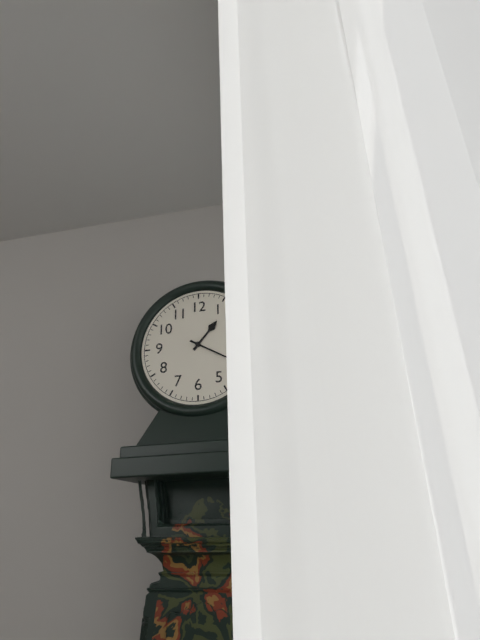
1:20
